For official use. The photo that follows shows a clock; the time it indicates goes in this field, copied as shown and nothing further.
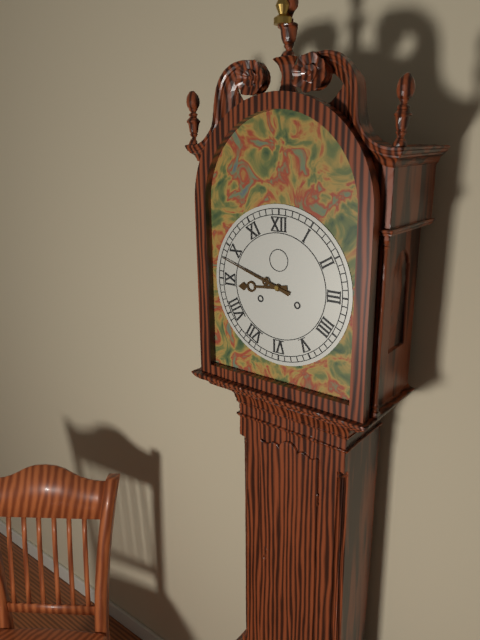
8:48
